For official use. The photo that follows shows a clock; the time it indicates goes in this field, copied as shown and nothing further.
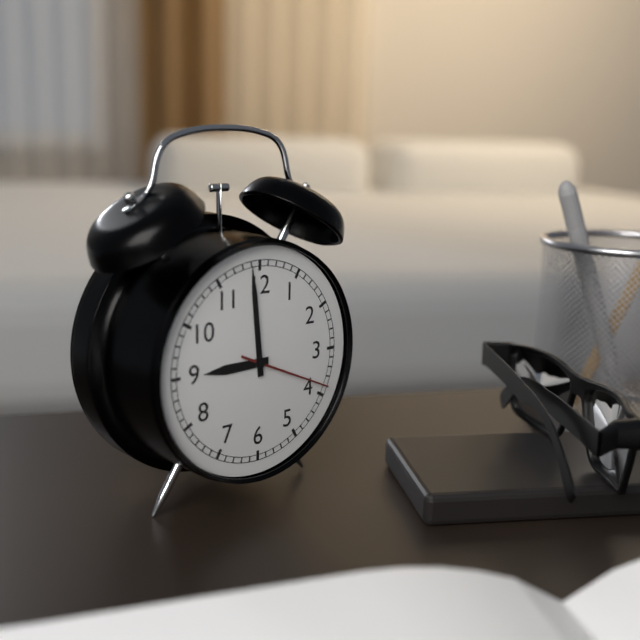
8:59:19
